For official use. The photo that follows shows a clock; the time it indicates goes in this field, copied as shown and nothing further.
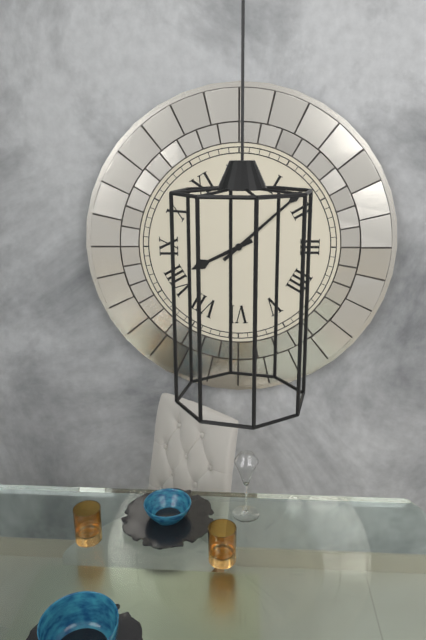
8:08
